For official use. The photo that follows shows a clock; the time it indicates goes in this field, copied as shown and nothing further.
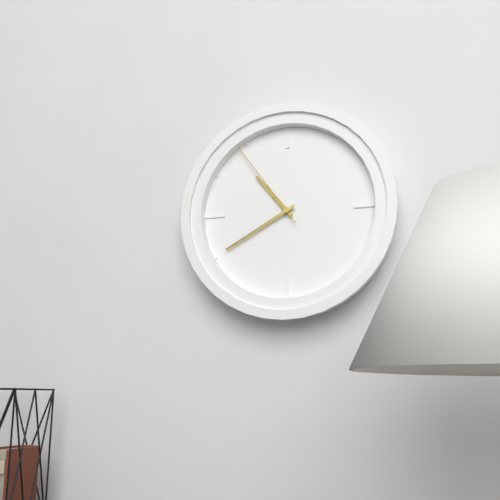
10:40:54
